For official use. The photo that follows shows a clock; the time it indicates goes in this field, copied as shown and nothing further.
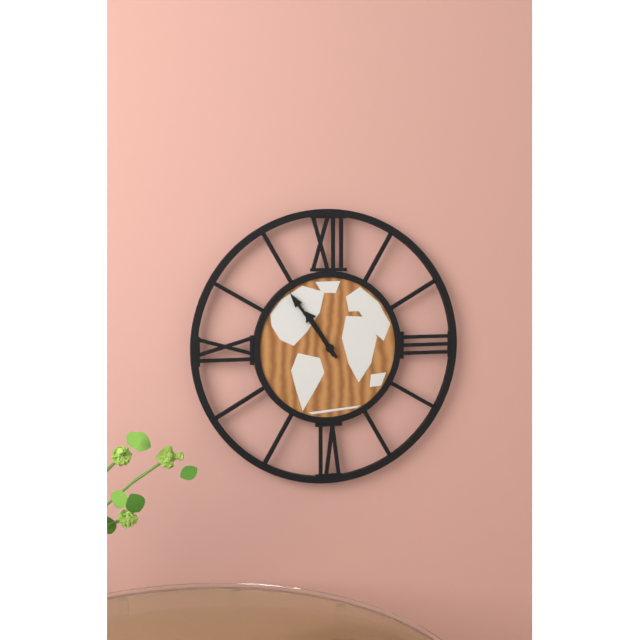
10:54
